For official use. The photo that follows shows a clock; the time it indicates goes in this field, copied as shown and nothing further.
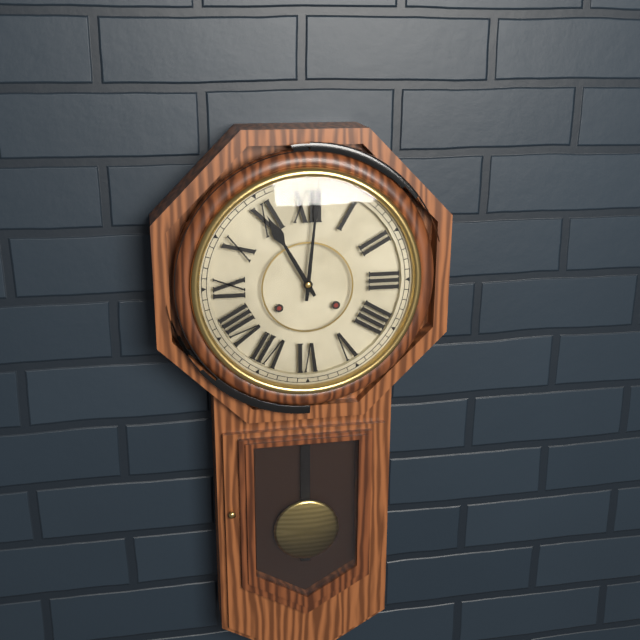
11:01
